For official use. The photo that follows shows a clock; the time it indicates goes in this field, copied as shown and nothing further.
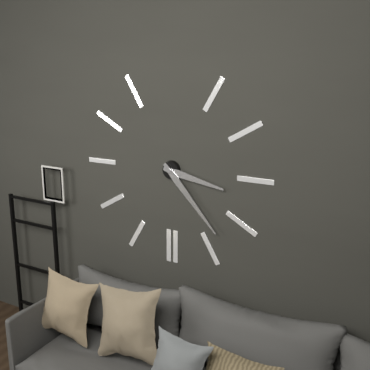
3:23
